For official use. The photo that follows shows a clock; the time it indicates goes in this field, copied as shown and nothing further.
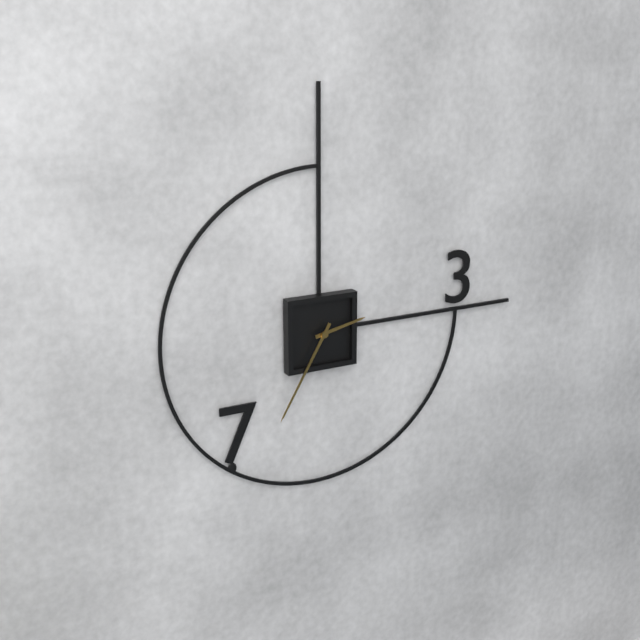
2:35
